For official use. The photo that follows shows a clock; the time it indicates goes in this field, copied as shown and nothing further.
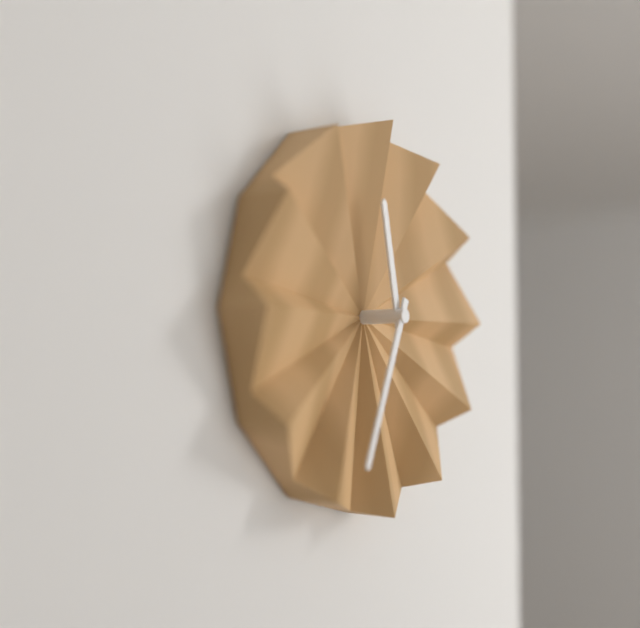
11:34
